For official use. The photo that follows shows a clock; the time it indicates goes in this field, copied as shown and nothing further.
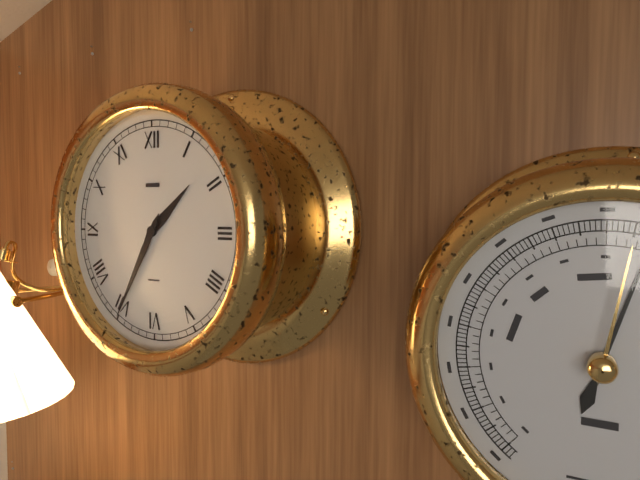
1:35
